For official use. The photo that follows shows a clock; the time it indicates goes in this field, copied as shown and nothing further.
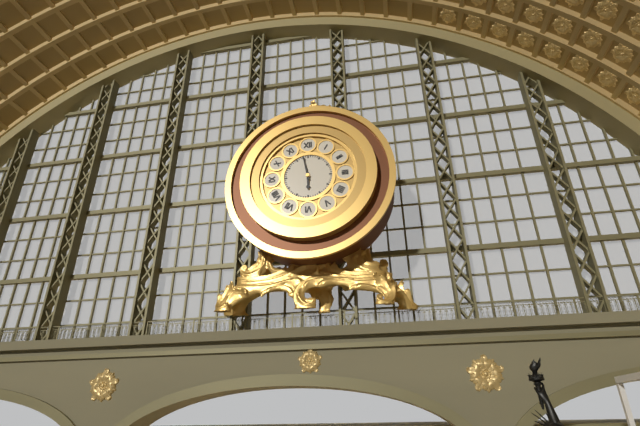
5:58
